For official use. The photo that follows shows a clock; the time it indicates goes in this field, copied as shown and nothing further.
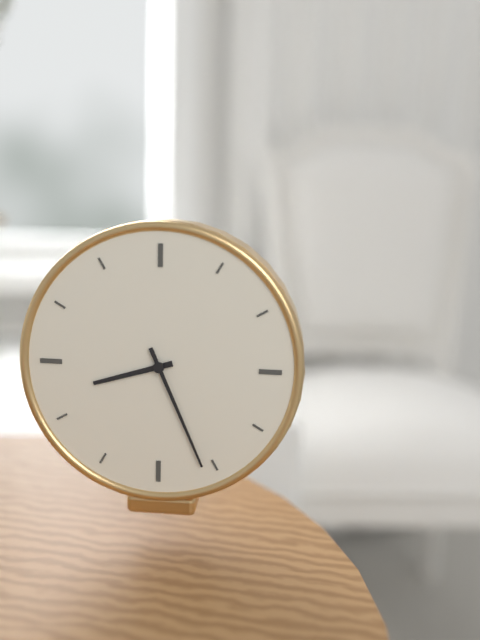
8:26
